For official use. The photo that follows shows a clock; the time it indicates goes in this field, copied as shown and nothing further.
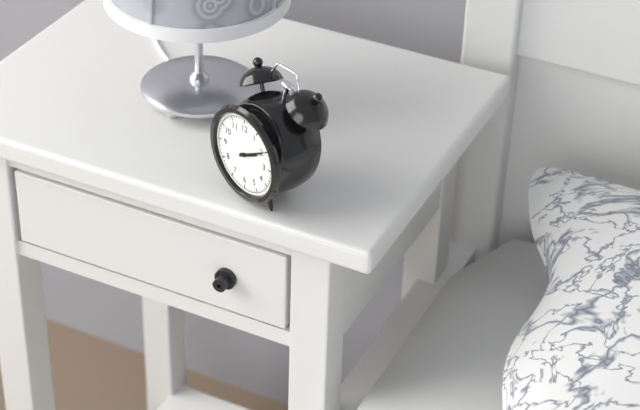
2:10
